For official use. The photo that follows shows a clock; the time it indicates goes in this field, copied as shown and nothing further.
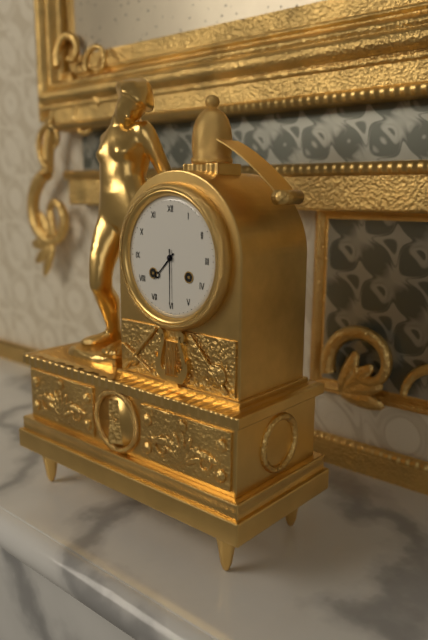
7:30
